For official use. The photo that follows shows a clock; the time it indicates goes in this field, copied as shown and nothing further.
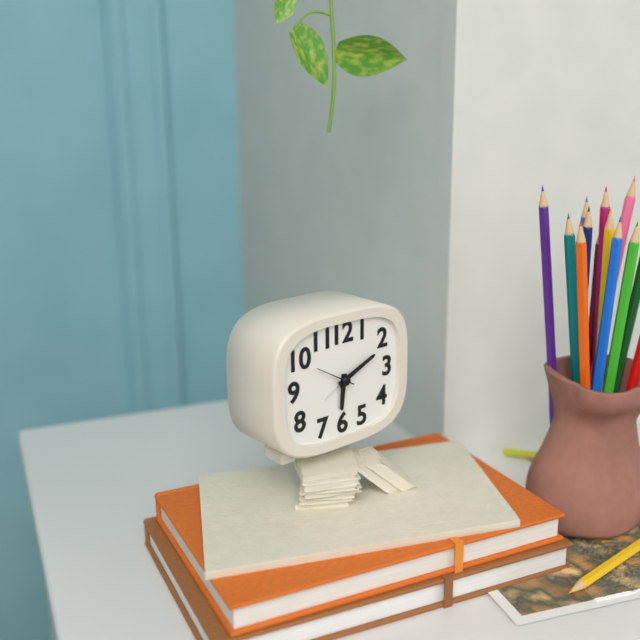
6:11
